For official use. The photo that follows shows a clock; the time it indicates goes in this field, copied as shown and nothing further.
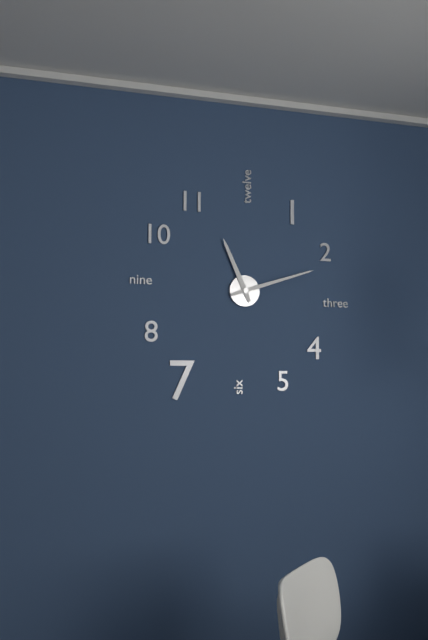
11:12
